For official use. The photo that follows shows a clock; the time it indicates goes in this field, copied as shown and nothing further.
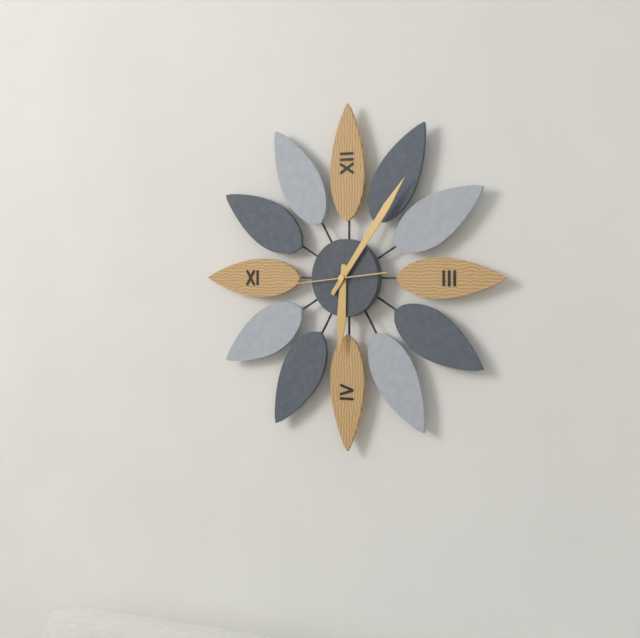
6:06:44
